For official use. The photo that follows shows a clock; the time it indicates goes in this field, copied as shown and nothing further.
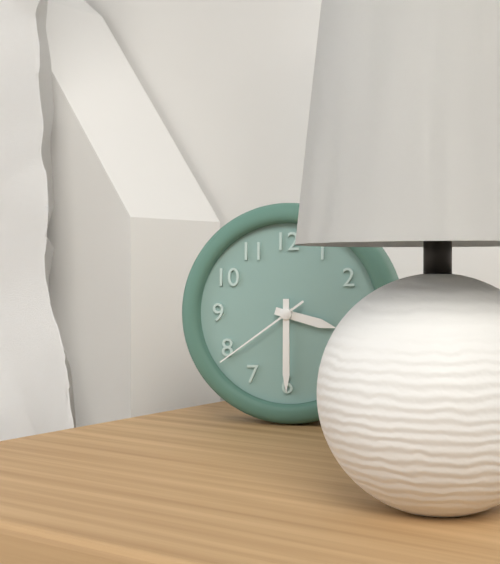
3:30:39
